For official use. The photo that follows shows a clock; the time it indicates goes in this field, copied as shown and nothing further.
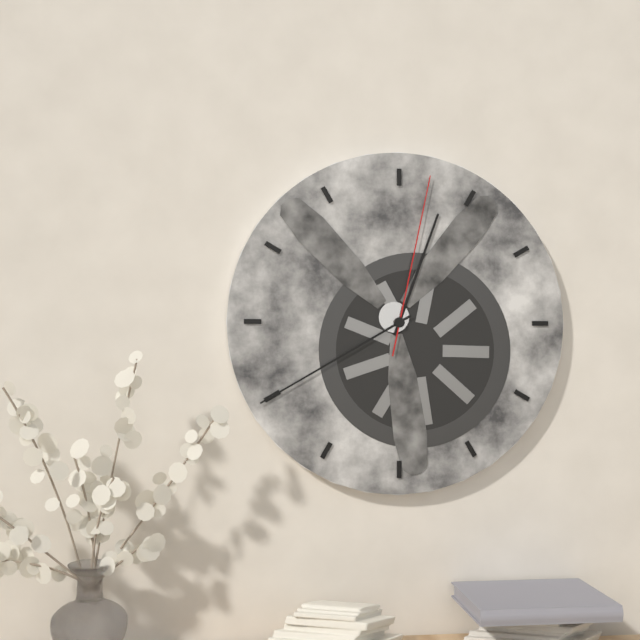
12:40:02
